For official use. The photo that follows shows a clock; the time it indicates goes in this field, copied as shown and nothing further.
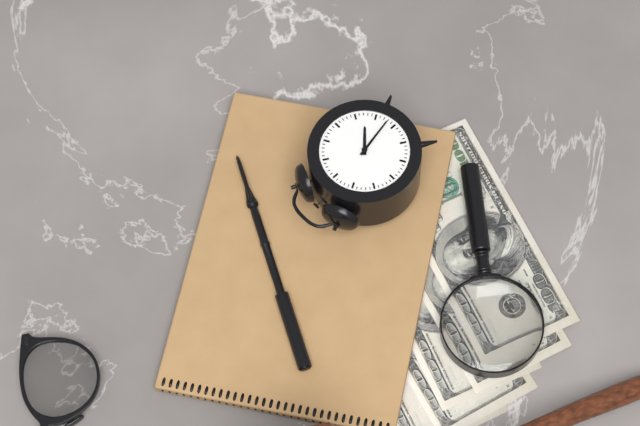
4:28
